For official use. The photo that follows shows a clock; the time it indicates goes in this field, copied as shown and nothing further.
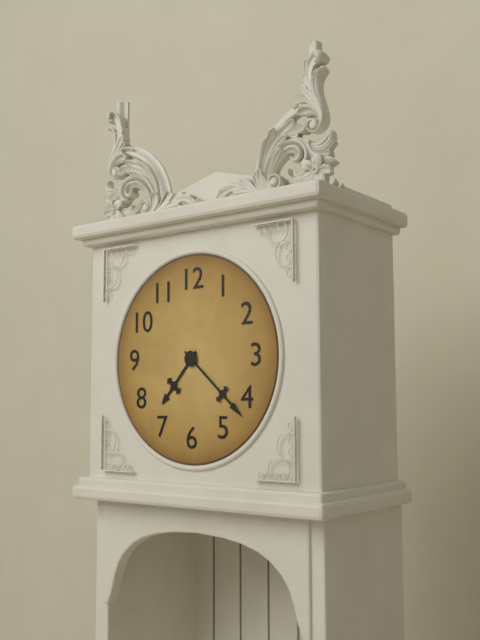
7:22
